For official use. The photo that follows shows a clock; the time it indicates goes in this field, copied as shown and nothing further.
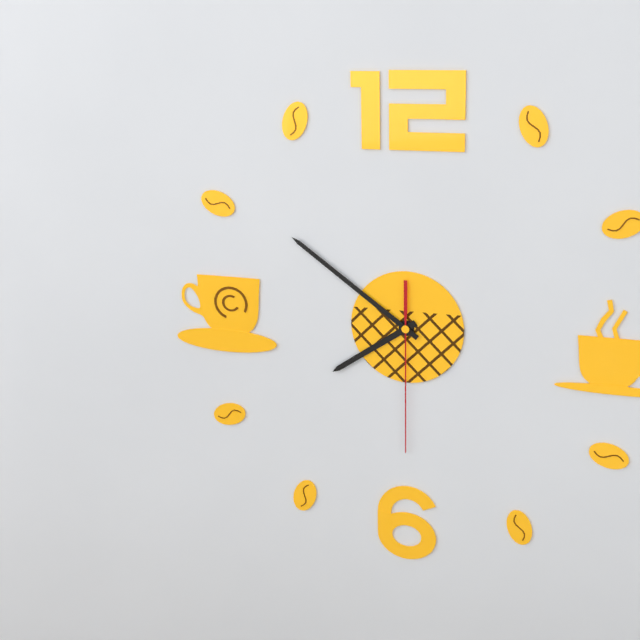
7:51:30
